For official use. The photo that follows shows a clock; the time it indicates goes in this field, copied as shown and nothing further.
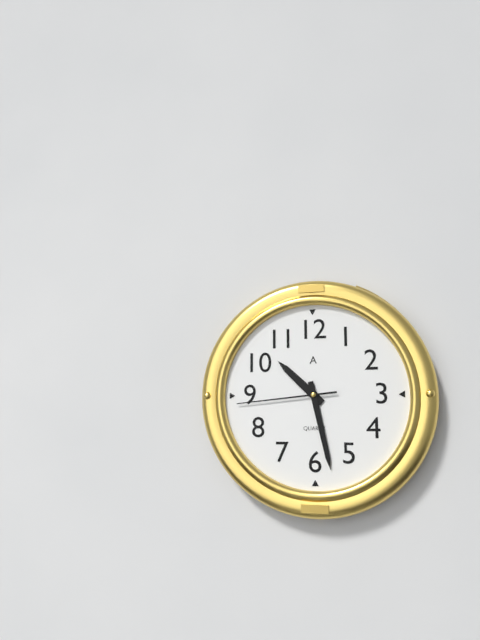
10:28:44
